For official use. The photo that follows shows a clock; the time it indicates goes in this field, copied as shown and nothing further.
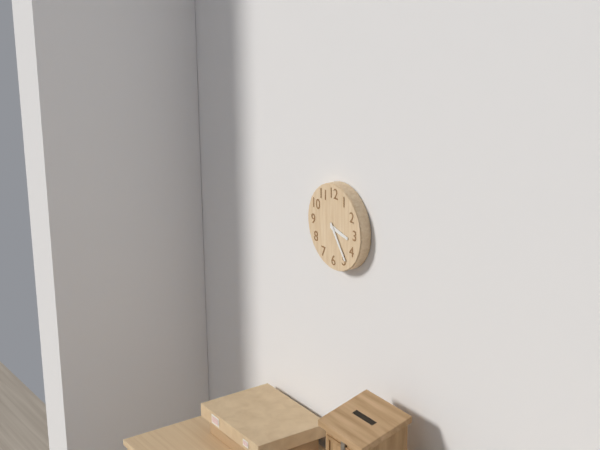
3:24
